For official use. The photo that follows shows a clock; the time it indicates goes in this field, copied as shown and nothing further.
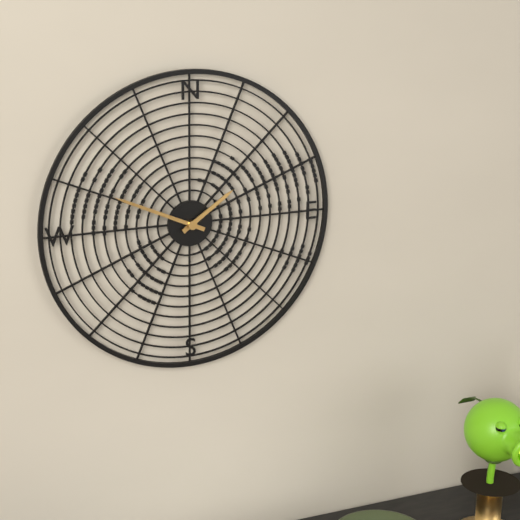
1:49
